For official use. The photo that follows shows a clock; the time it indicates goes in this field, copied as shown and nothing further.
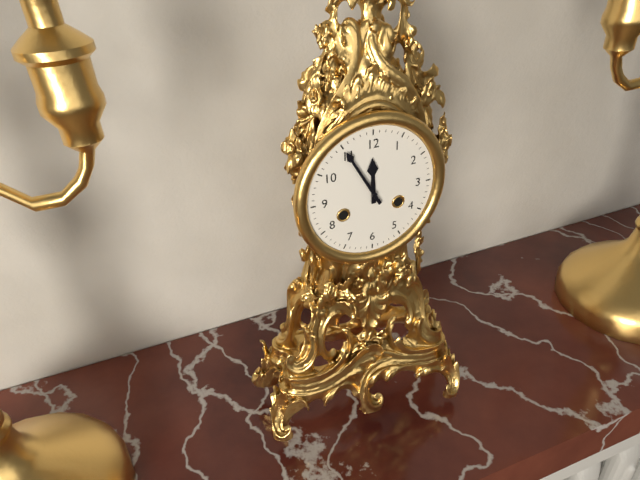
11:55
